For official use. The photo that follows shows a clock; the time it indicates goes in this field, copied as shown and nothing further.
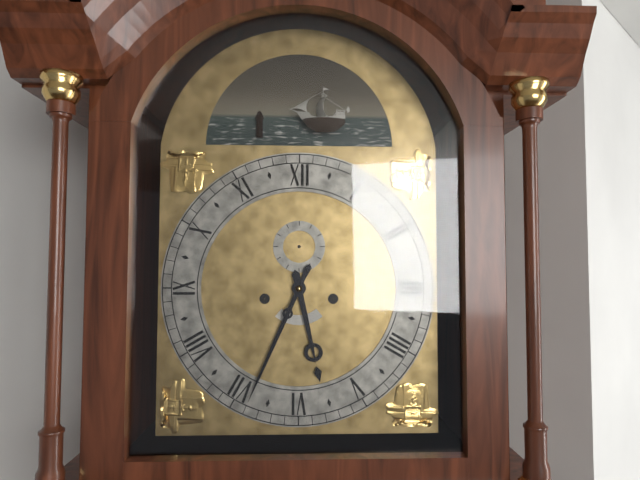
5:34
